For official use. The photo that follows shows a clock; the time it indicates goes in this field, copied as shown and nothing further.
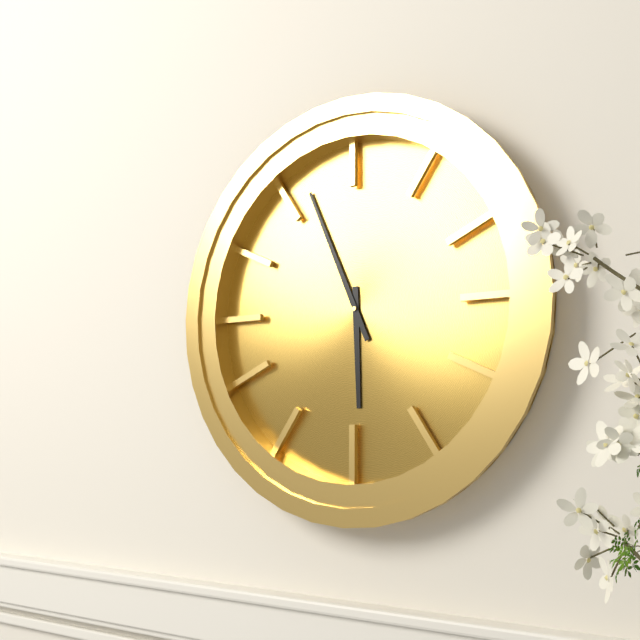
5:56
